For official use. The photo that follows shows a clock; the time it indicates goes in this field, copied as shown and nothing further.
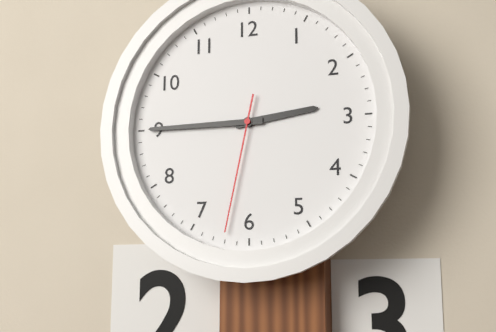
2:45:32
